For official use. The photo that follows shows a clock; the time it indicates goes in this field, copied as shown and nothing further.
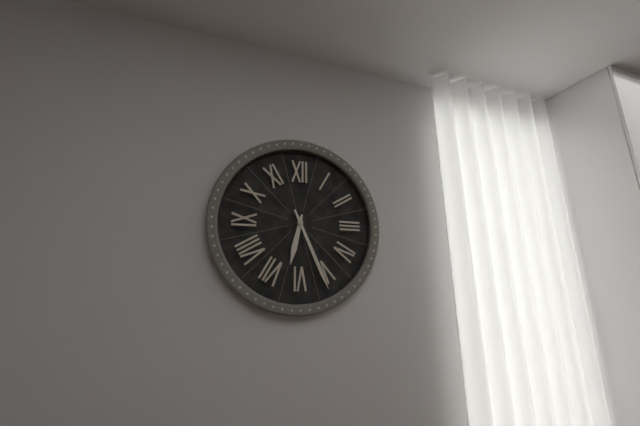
6:26
